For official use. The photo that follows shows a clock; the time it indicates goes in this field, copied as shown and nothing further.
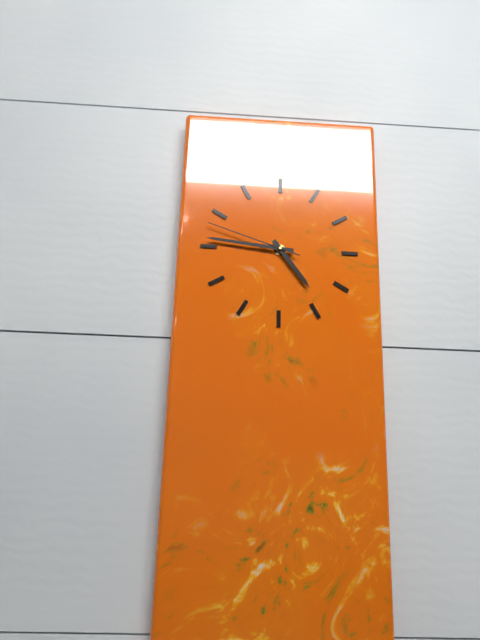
4:46:48
